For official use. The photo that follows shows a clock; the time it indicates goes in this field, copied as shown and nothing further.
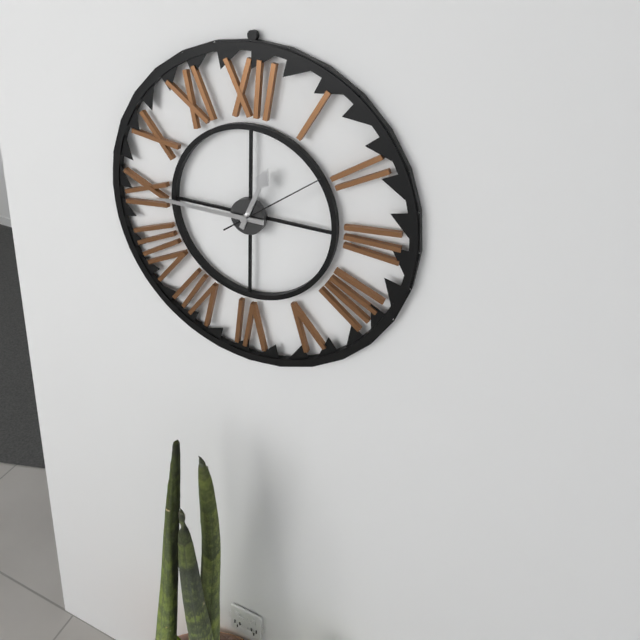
12:45:09
